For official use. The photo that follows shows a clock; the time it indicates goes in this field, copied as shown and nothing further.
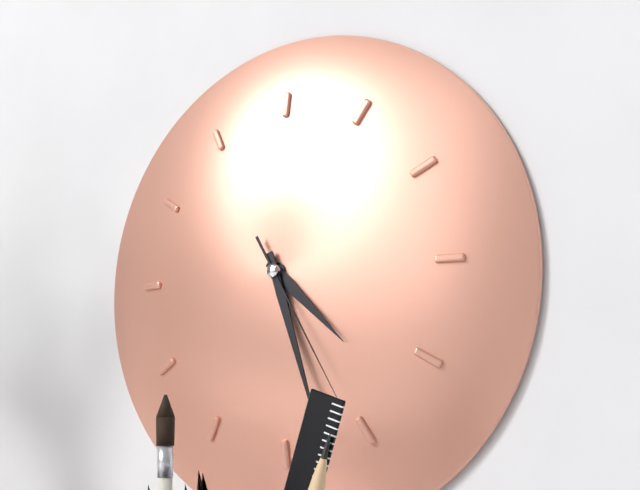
4:27:25
